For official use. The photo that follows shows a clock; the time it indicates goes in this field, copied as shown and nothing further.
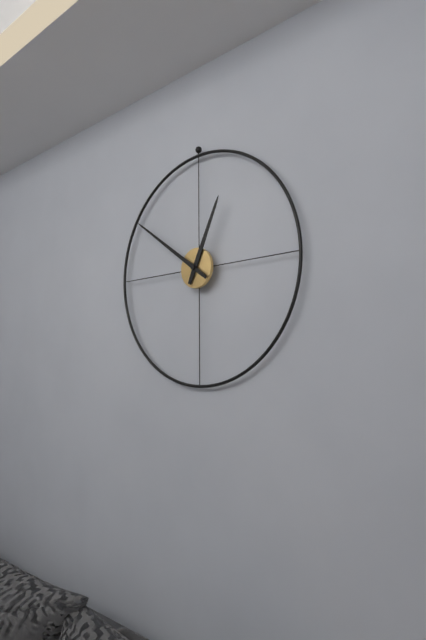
12:51
